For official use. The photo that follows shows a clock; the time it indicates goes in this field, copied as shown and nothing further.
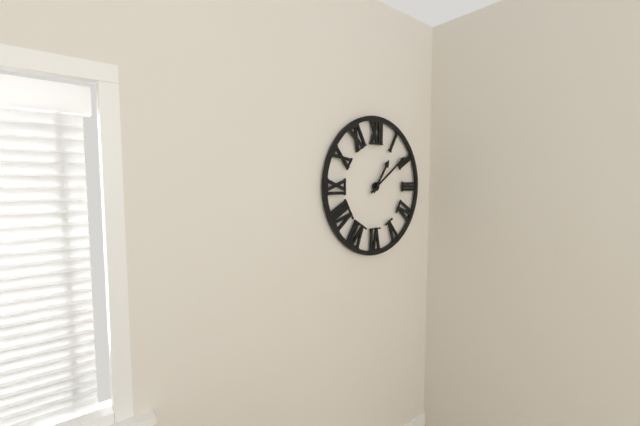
1:09
